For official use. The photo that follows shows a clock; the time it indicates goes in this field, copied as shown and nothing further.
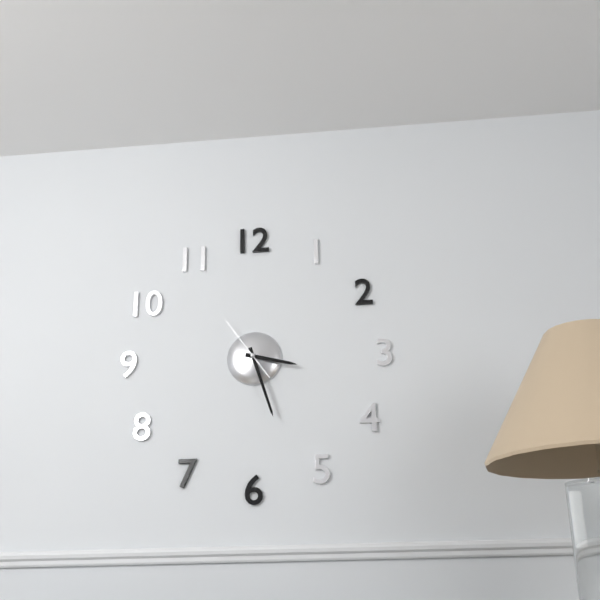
3:27:54
